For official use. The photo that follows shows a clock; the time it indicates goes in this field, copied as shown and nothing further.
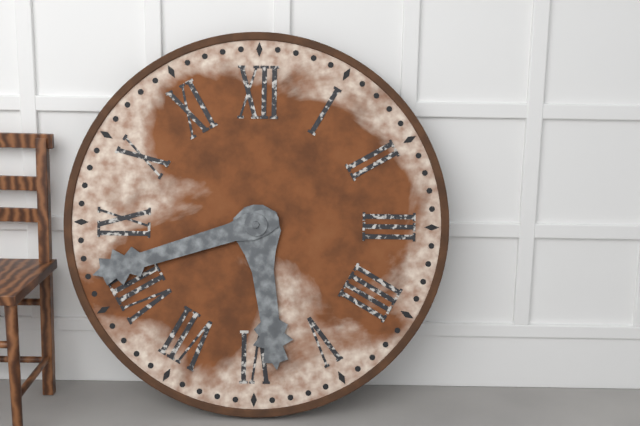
5:42
